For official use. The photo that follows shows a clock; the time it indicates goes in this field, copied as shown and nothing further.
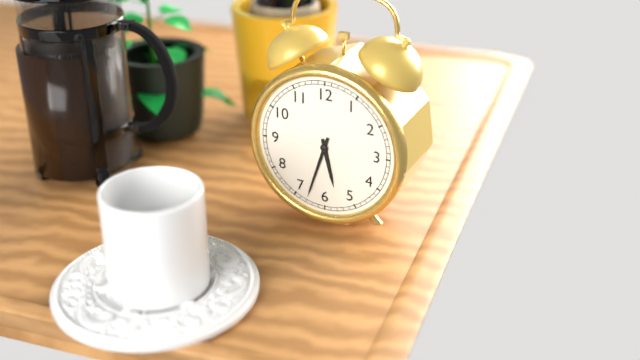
5:33
